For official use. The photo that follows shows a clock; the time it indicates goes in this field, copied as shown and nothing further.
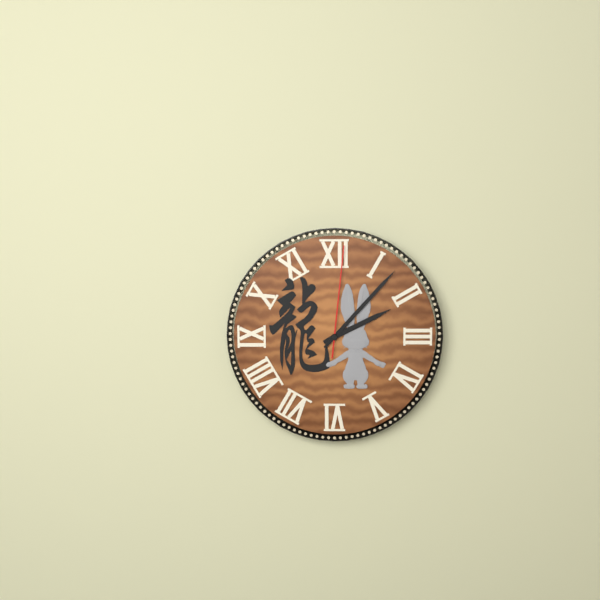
2:07:01
